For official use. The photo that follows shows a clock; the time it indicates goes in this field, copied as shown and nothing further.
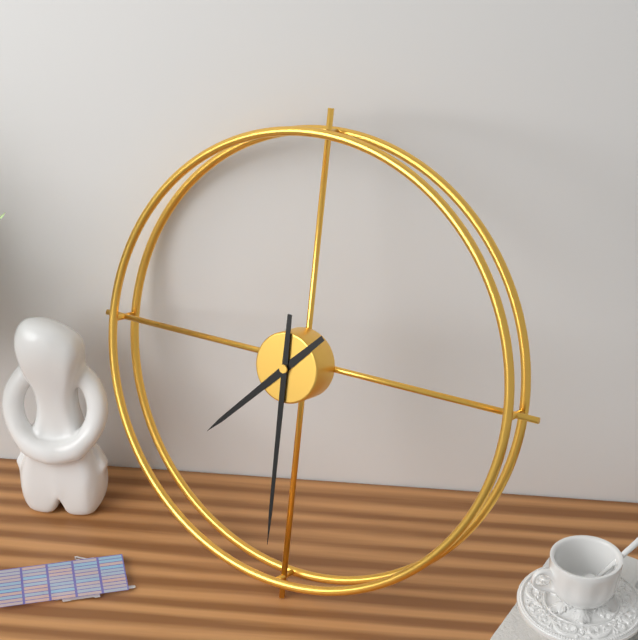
7:30
